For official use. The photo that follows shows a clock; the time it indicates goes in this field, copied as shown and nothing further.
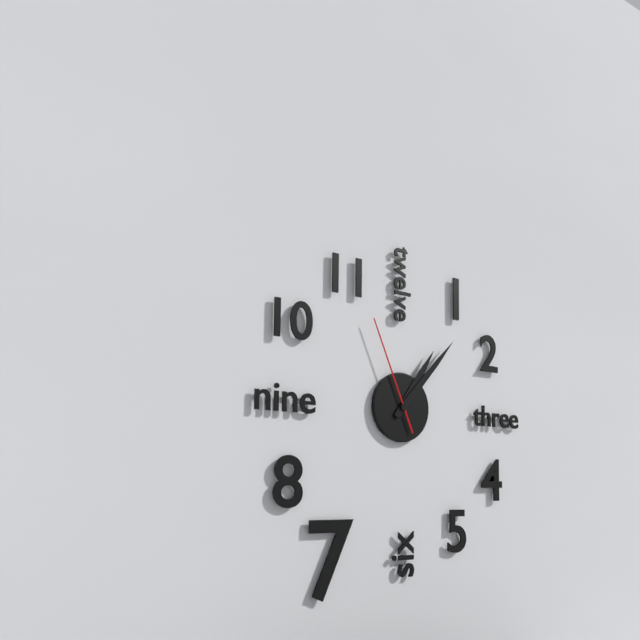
1:07:56
